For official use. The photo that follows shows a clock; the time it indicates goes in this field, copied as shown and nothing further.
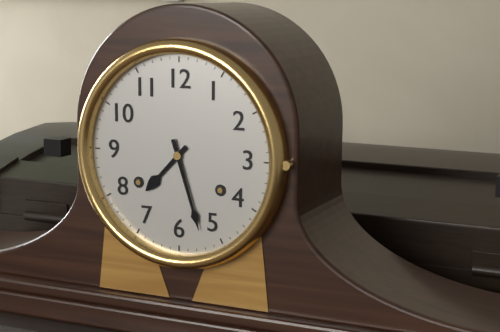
7:27
